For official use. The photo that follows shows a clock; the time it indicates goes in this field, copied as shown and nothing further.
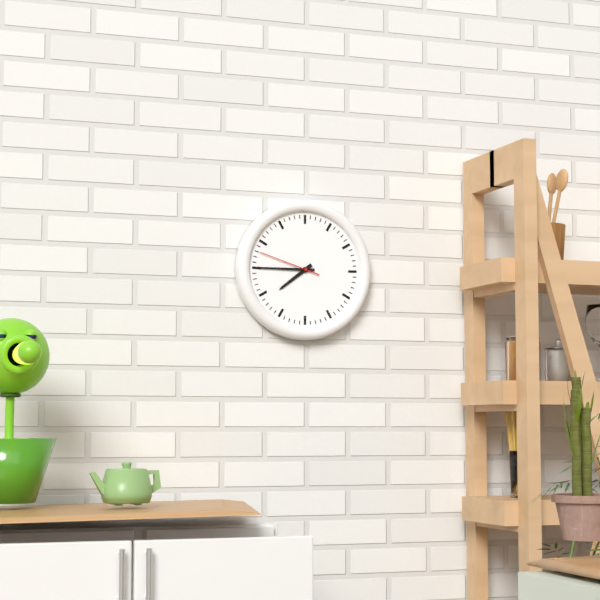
7:45:48
